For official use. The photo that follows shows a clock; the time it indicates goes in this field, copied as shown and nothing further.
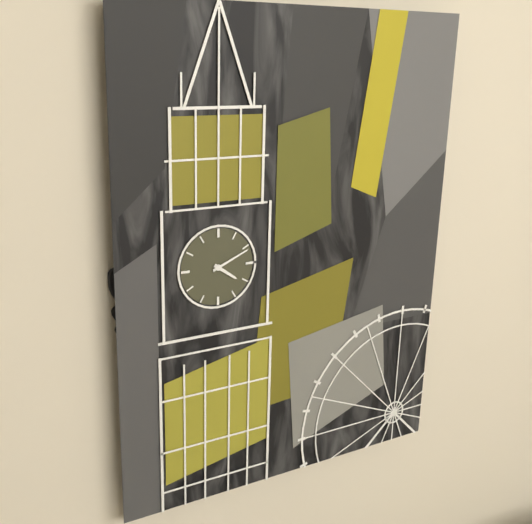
4:11
